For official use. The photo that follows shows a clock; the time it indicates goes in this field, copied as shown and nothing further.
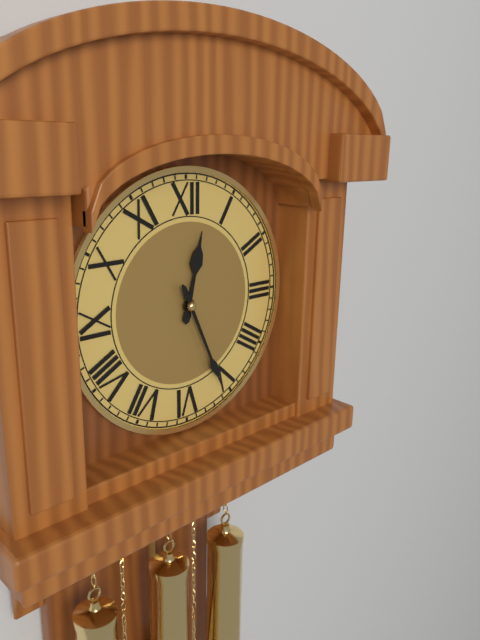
12:26
